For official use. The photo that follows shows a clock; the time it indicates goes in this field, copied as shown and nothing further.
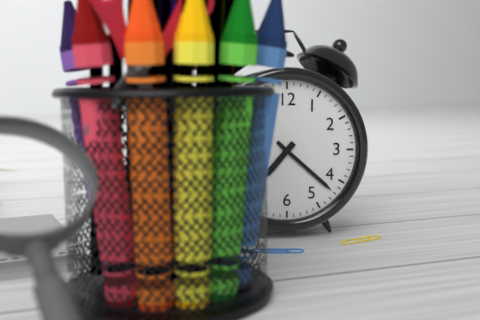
7:22
